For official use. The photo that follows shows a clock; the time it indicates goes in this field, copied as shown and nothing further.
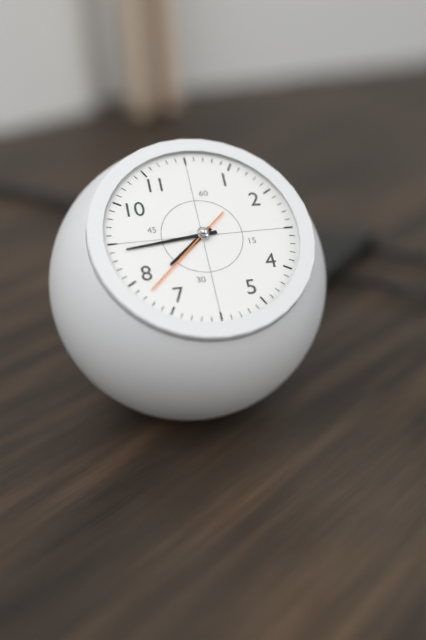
7:44:38
